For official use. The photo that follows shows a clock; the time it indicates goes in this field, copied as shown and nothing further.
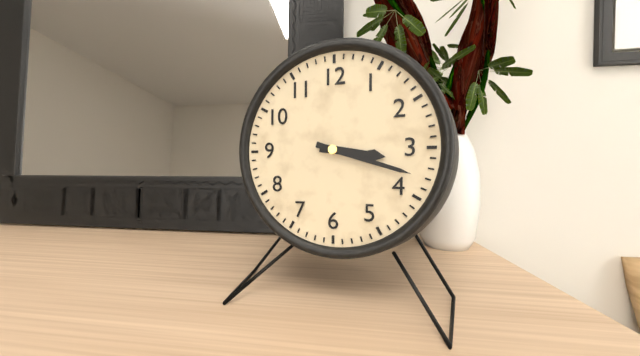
3:18
